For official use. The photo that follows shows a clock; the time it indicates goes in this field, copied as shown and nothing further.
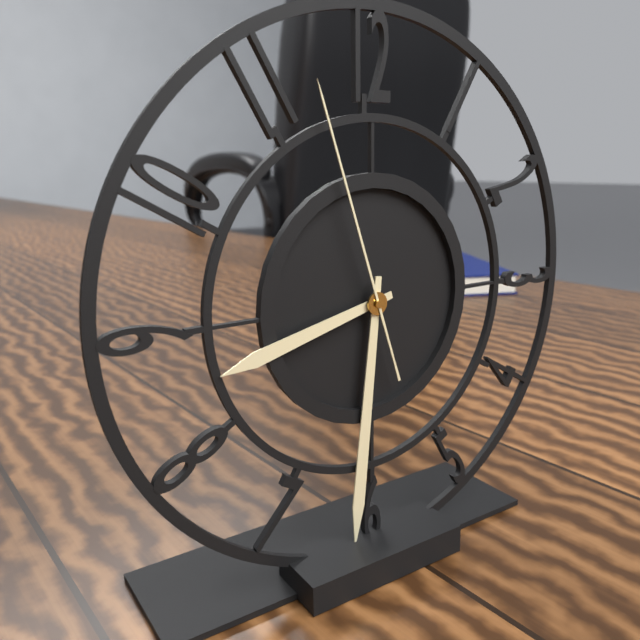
8:31:57
